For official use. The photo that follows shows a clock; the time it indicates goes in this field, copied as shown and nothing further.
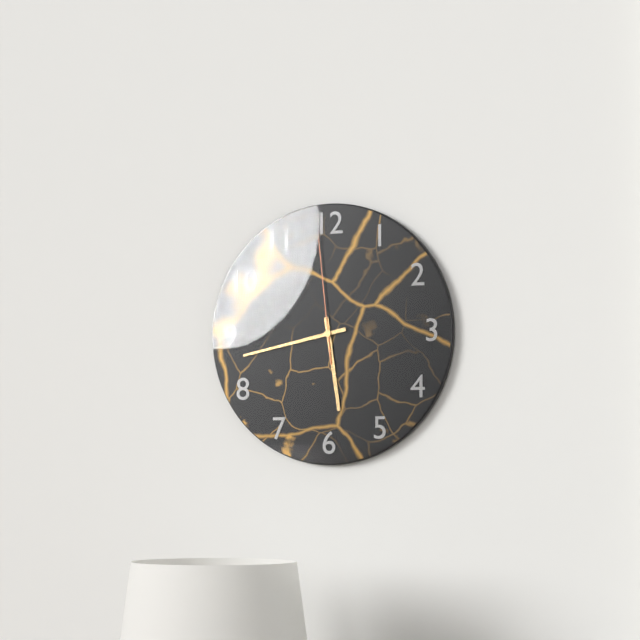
5:43:59
